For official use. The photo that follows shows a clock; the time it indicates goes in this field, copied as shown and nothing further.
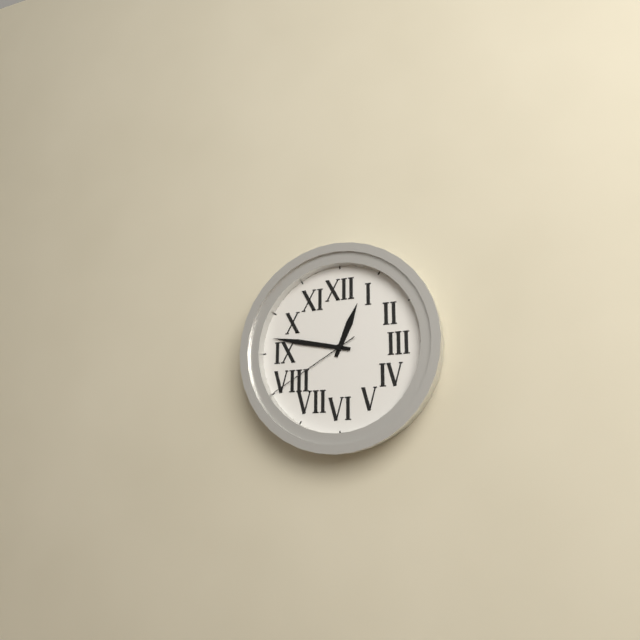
12:47:40
